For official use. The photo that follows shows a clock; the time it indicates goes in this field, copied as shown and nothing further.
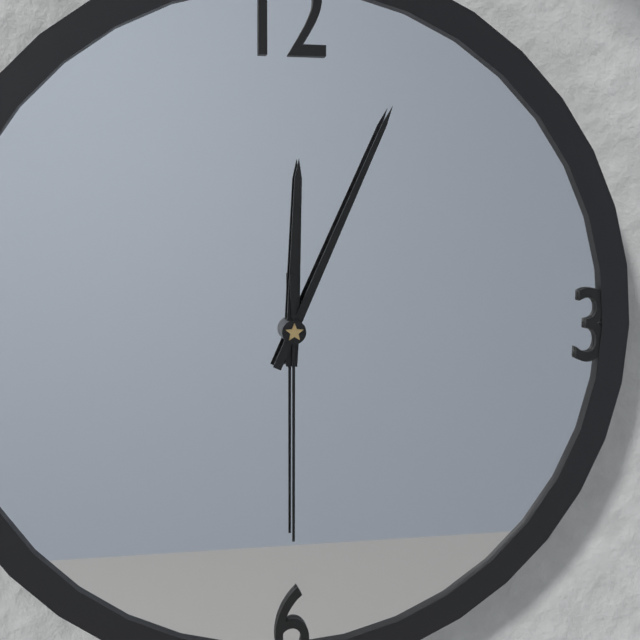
12:04:30
